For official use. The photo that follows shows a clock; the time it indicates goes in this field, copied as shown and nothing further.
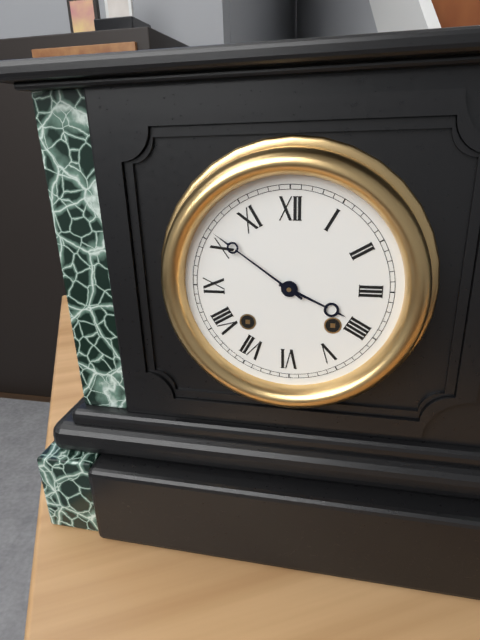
3:51
